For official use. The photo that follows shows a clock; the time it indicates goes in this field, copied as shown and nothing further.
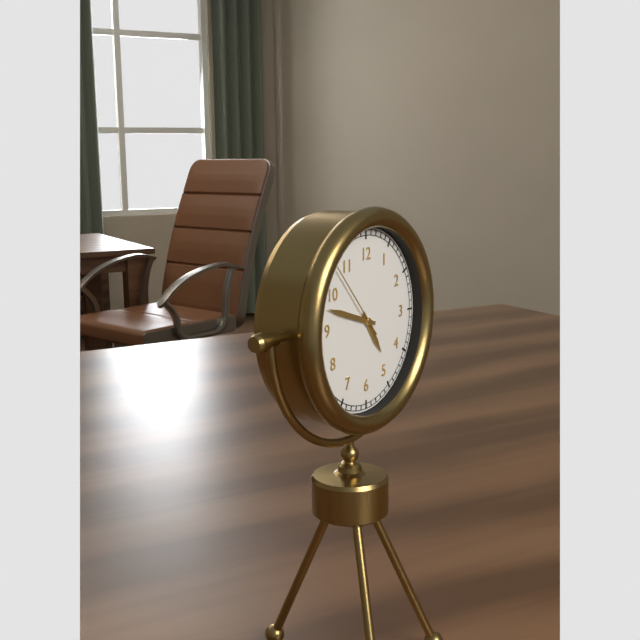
4:48:53
